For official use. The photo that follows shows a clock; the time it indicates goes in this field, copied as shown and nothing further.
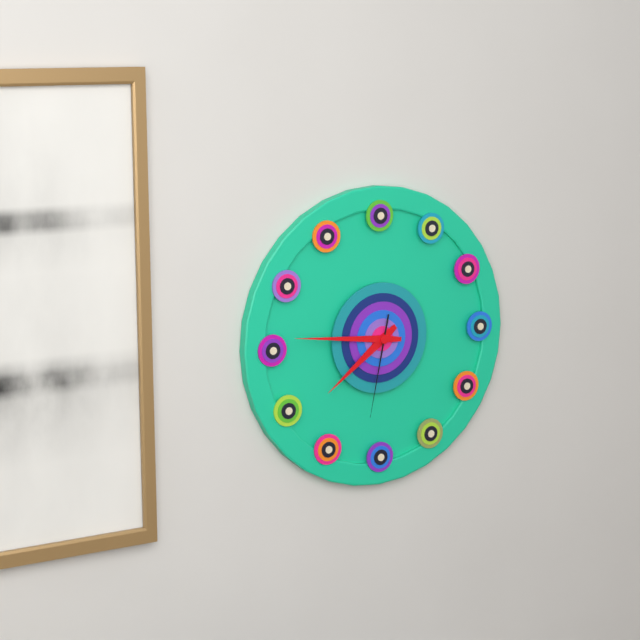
7:46:32
